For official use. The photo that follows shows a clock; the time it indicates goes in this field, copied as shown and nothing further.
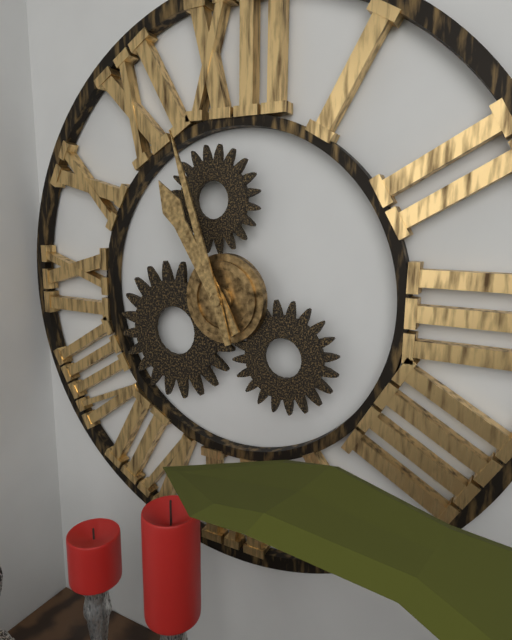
10:57
